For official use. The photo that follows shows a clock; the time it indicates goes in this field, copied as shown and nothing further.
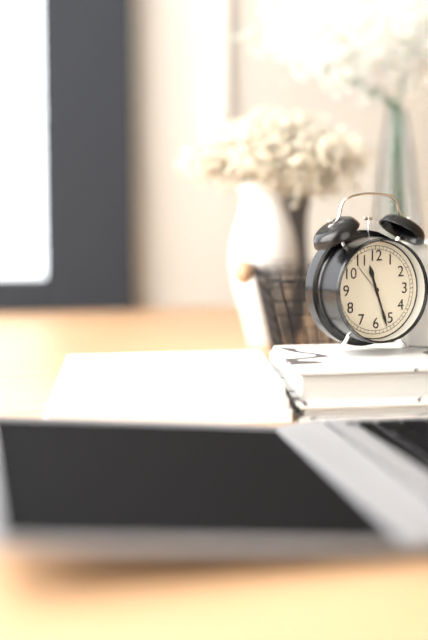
11:27
